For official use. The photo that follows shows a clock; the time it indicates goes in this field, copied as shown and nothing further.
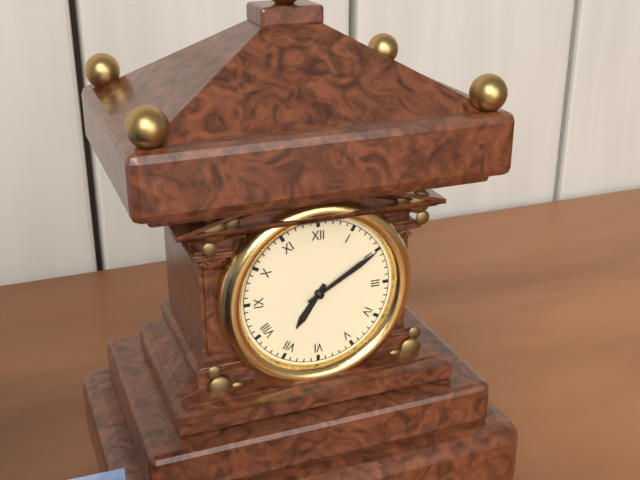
7:10
